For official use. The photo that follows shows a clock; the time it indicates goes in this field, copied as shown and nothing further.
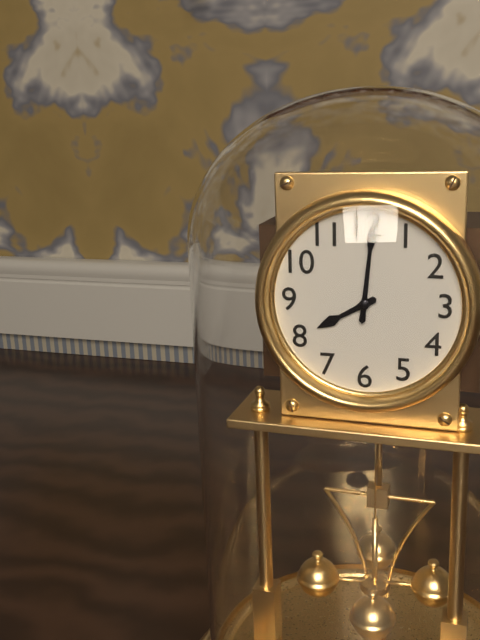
8:01
